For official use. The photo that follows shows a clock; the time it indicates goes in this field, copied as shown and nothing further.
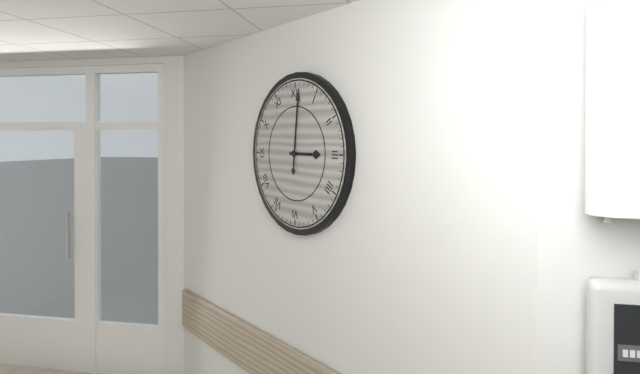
3:01
